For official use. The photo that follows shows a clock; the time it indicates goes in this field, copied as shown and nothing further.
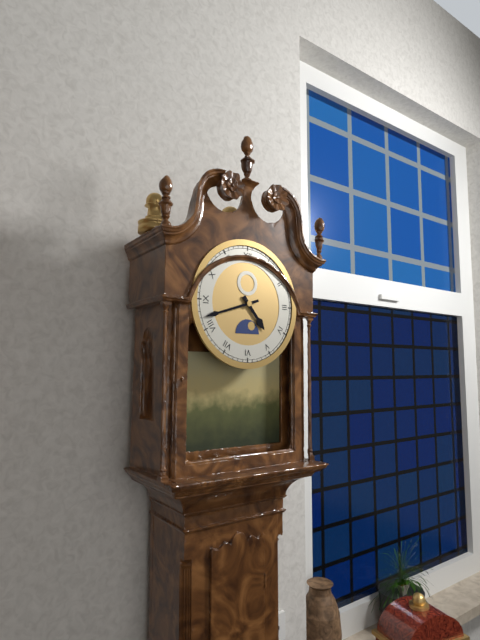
4:42
